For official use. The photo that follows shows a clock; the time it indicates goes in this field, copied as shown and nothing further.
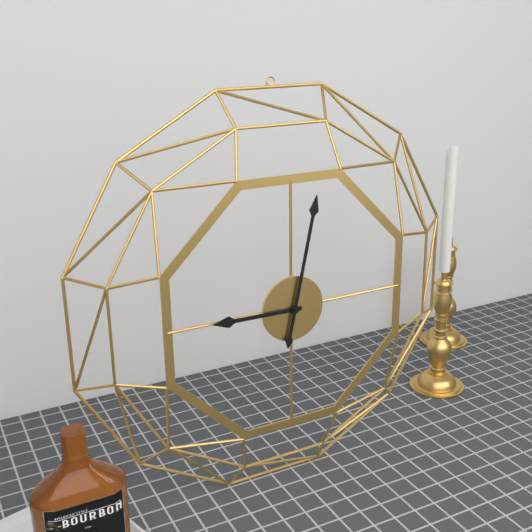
9:02
